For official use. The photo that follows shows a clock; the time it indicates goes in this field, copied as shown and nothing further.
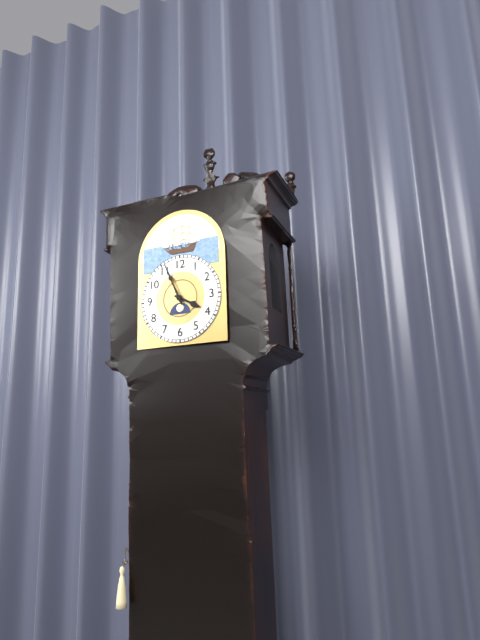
3:56
